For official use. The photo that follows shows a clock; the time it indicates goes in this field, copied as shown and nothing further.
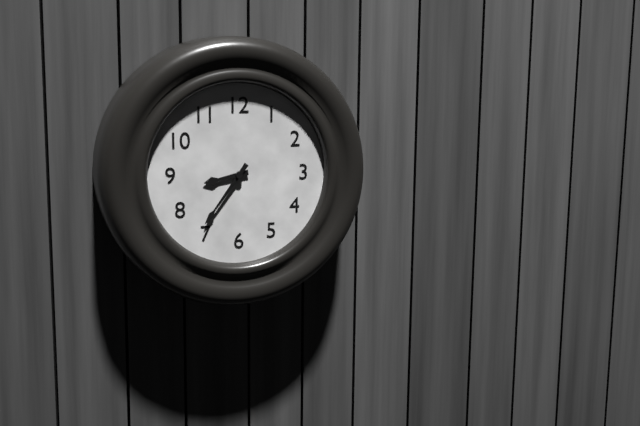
8:36
